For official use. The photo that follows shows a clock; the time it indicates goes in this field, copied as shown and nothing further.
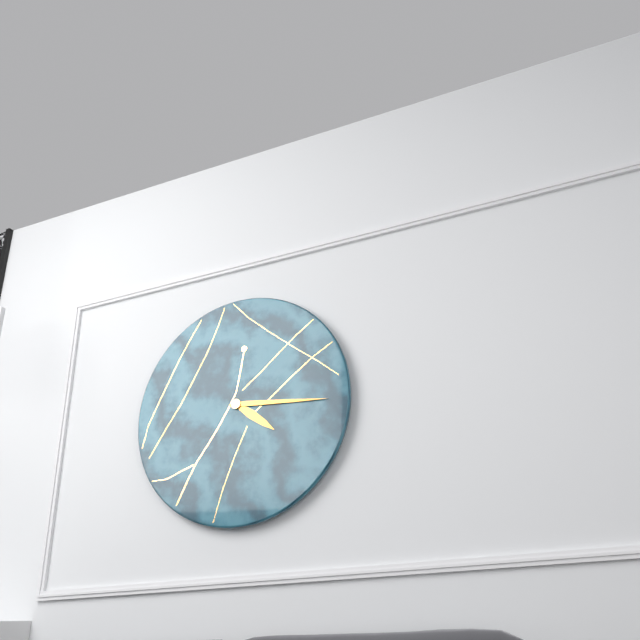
4:16
